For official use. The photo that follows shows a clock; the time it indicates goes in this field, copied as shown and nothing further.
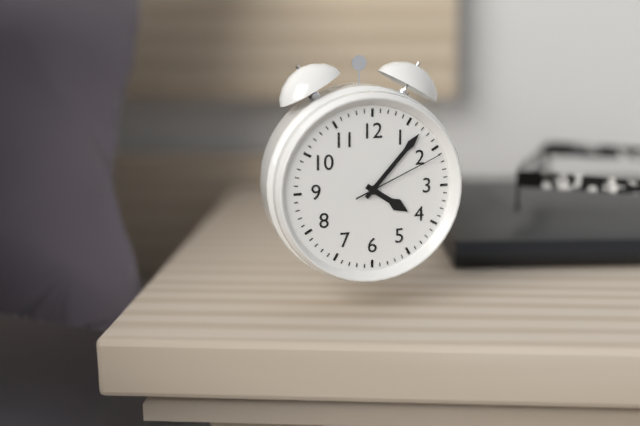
4:07:11
